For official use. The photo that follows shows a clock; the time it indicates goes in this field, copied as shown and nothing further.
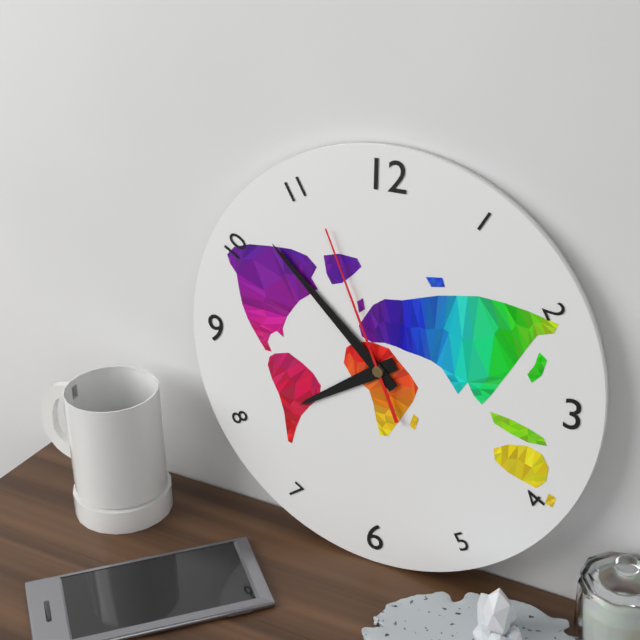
7:52:56
